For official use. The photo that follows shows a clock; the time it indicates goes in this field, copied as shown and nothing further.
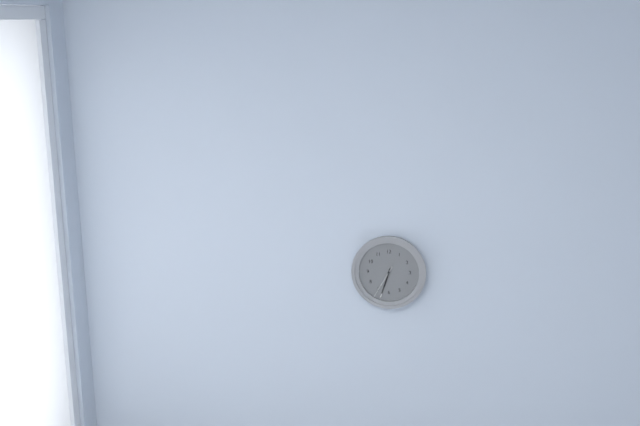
6:33
